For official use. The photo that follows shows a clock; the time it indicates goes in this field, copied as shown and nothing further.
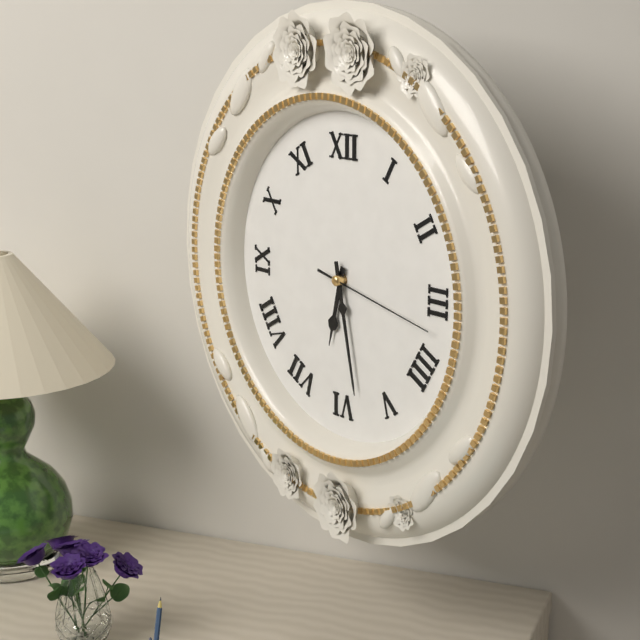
6:28:17
